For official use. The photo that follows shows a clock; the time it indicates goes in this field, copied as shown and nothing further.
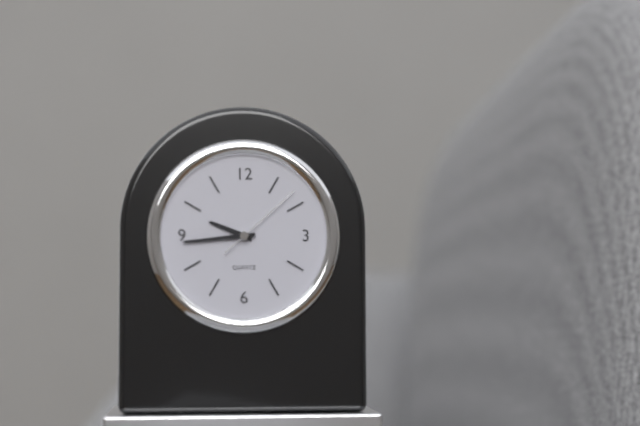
9:44:08
